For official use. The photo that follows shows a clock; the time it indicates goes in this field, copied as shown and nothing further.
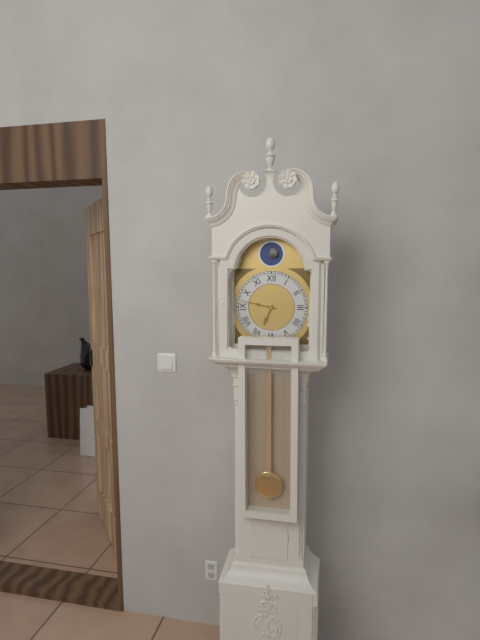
6:47
